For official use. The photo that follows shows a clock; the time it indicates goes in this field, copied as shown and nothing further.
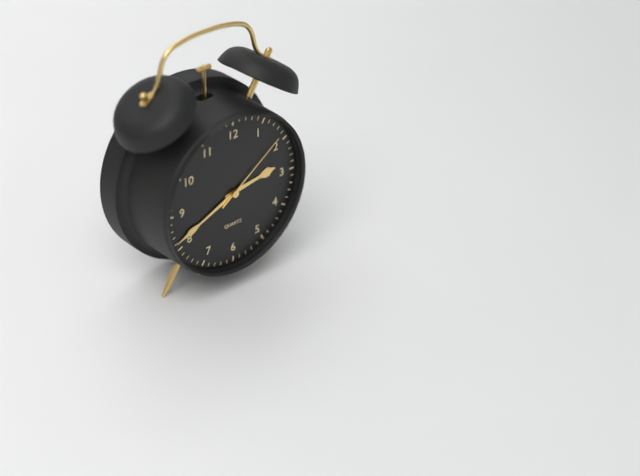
2:41:09
